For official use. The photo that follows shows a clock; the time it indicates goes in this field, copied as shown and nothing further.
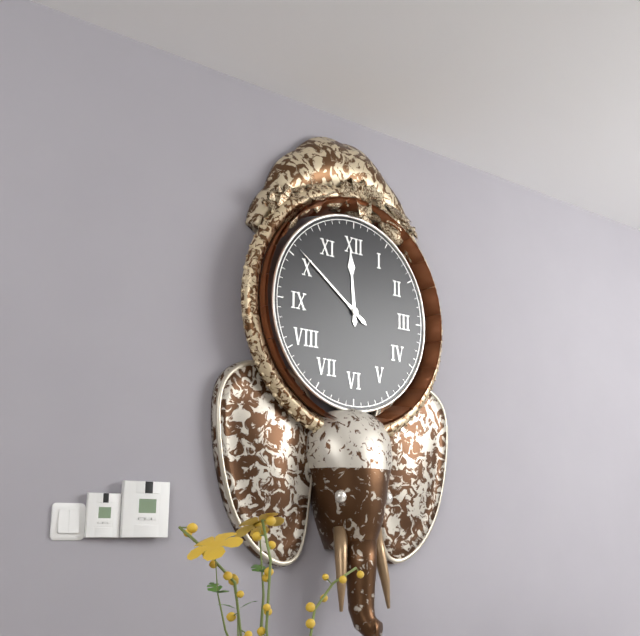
11:51
